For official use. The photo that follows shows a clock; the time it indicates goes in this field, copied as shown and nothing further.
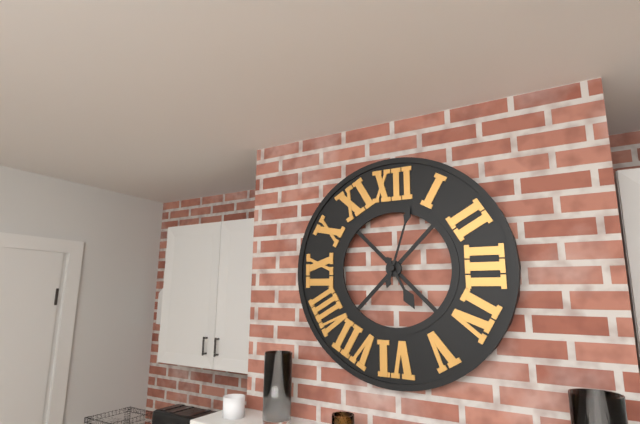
5:03
